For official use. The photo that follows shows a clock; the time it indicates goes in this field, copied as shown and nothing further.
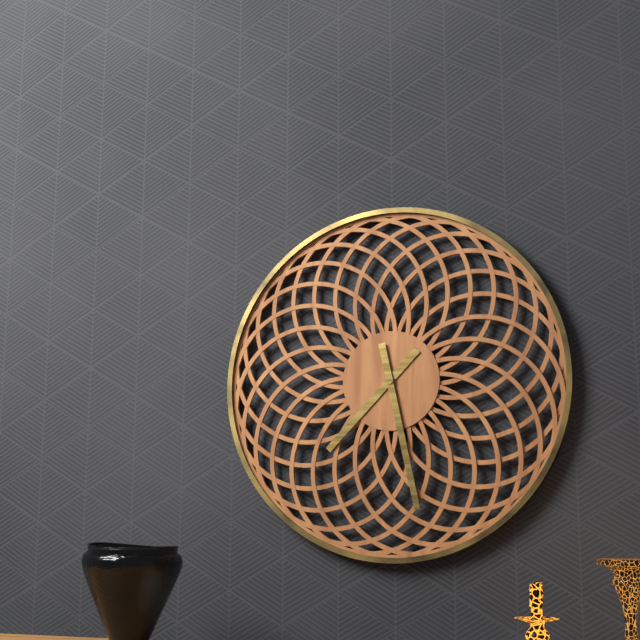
7:28
